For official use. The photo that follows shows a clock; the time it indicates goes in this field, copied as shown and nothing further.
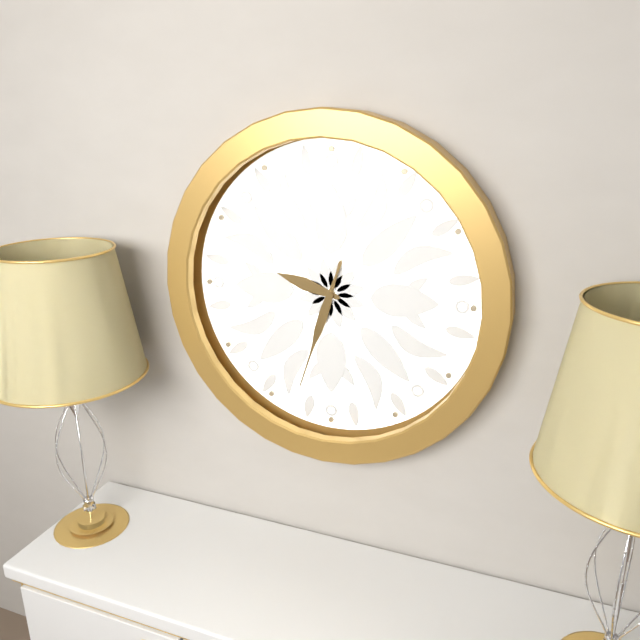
9:33
